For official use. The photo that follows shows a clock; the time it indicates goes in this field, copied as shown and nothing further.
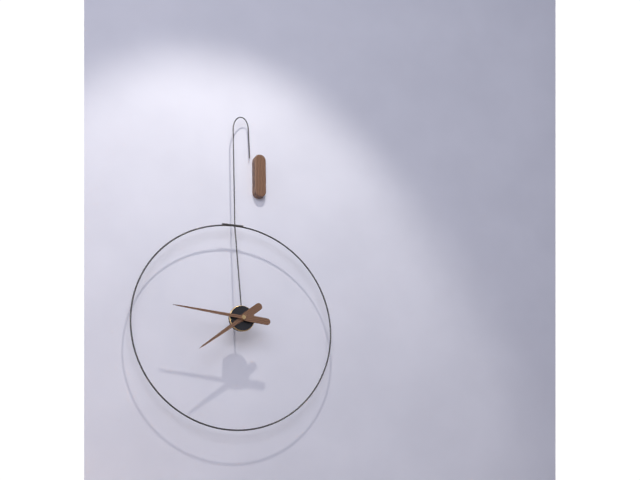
7:46
